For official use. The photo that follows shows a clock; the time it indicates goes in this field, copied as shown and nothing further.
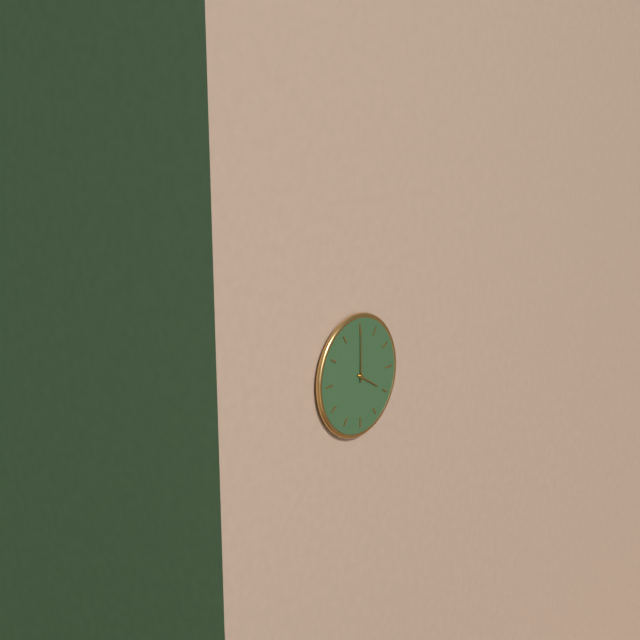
4:00
